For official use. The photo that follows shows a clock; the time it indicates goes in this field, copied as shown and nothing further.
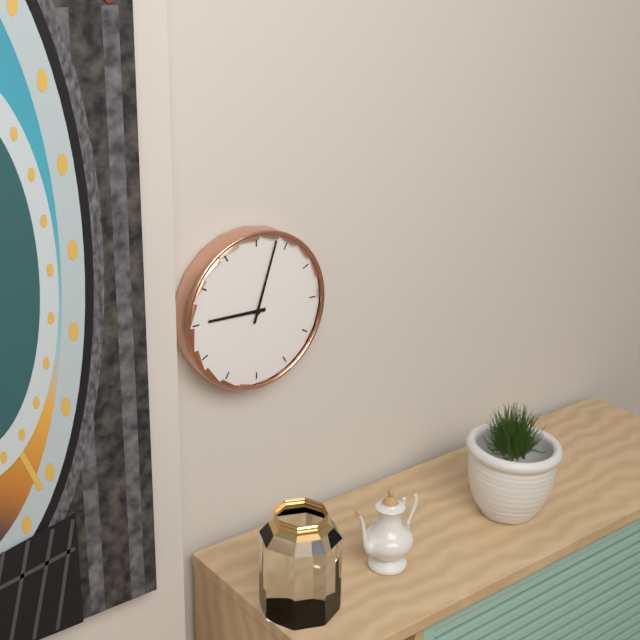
9:03
